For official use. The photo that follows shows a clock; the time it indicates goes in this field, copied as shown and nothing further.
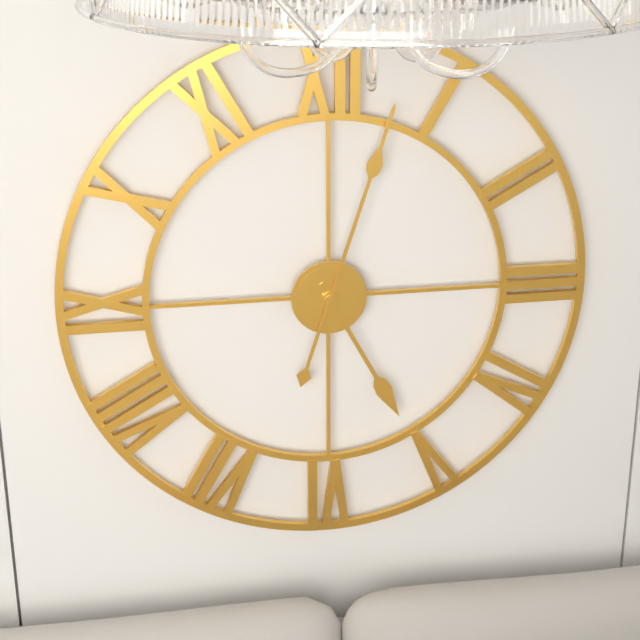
5:03
